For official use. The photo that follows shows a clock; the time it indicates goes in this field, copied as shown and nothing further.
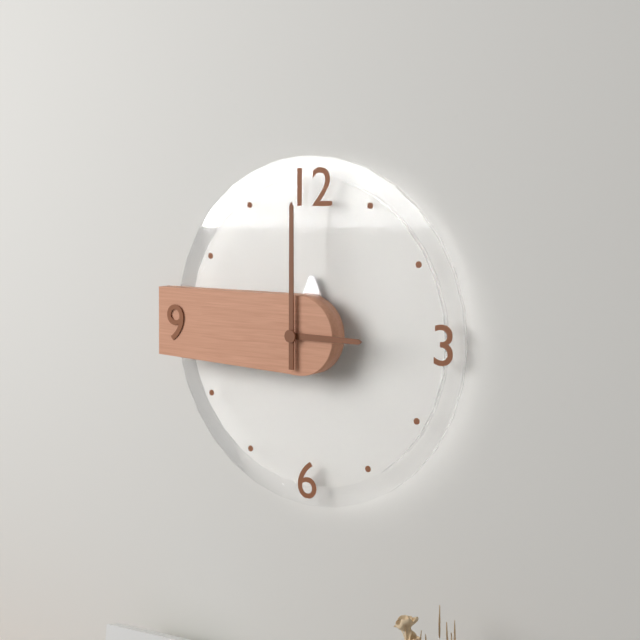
3:00
